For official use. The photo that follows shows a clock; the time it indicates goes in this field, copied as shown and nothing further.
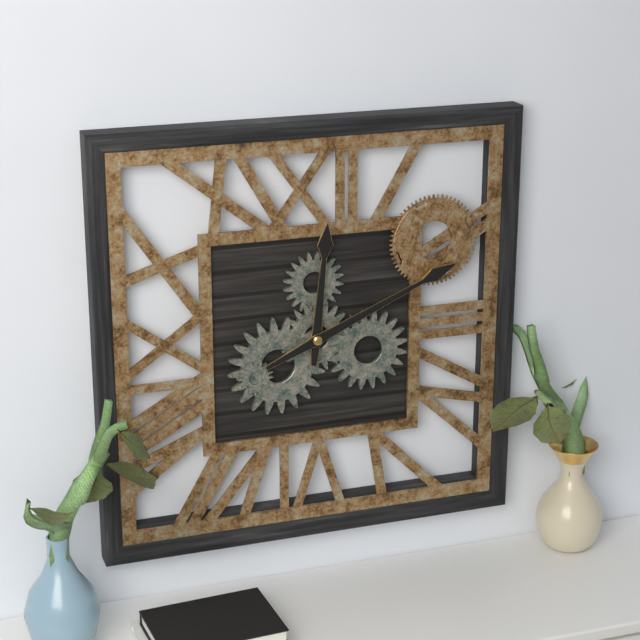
12:11
